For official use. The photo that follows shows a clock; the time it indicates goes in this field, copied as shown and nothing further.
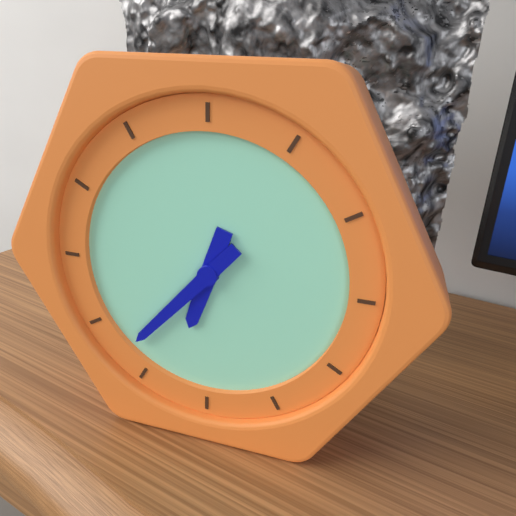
6:37
